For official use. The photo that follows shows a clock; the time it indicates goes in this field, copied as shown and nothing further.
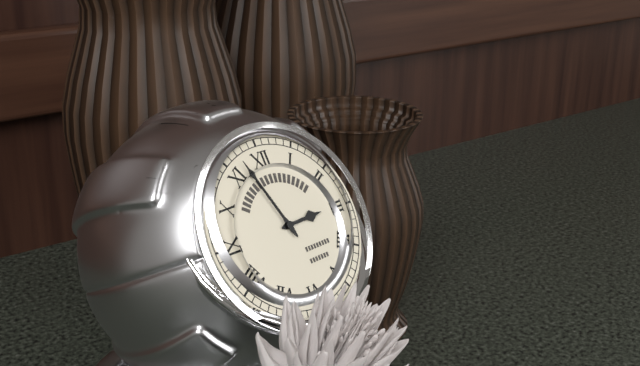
2:57
